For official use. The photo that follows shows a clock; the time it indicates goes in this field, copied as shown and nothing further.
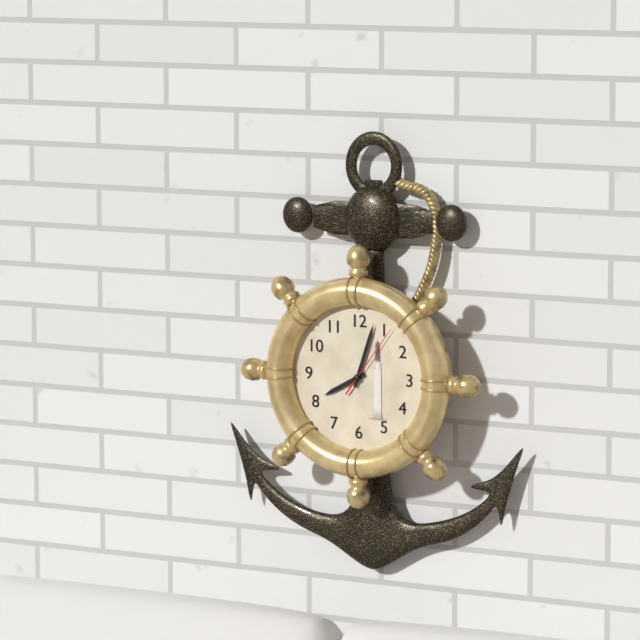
8:03:06
